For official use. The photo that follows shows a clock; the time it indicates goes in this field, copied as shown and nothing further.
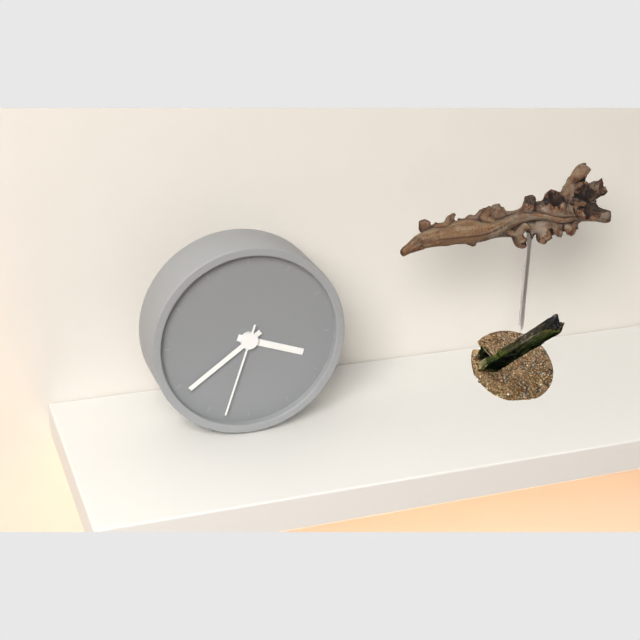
3:39:33
